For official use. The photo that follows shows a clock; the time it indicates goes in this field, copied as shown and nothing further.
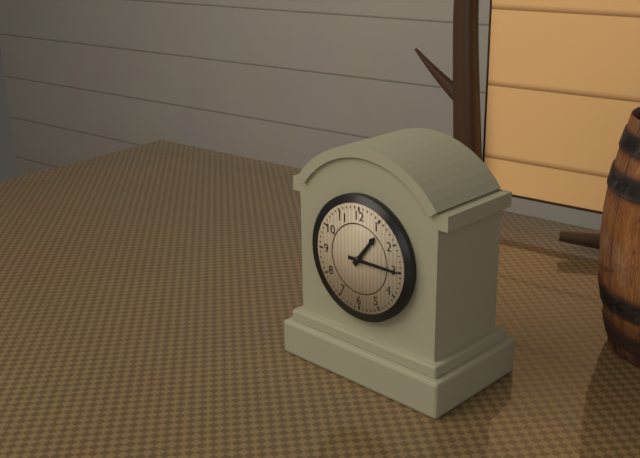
1:15
